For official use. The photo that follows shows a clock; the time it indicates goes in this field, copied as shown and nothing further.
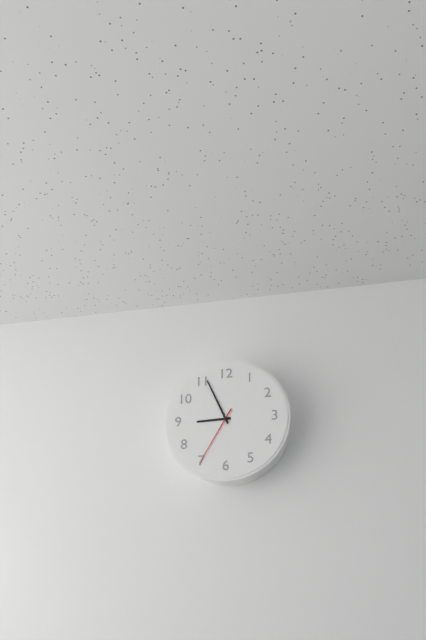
8:56:35
